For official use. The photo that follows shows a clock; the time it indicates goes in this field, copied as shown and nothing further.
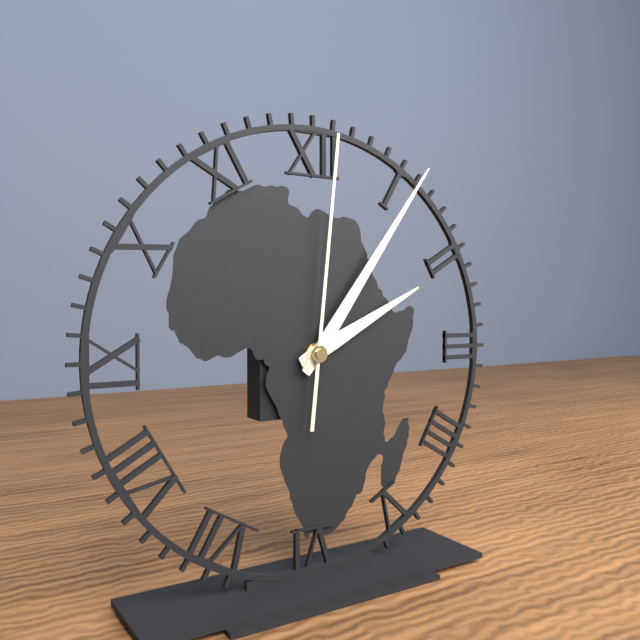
2:06:01
